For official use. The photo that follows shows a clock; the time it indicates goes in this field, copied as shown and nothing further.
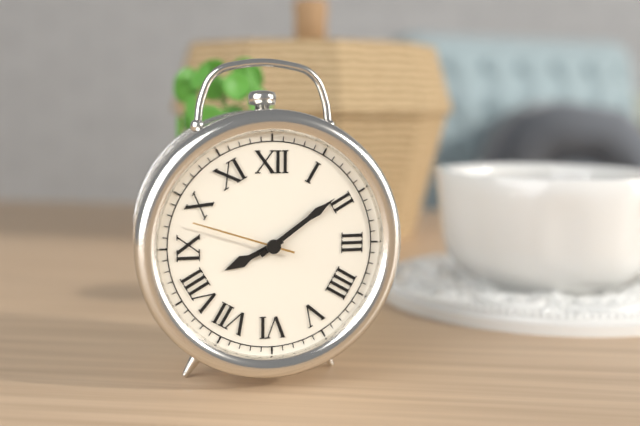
8:09:48
